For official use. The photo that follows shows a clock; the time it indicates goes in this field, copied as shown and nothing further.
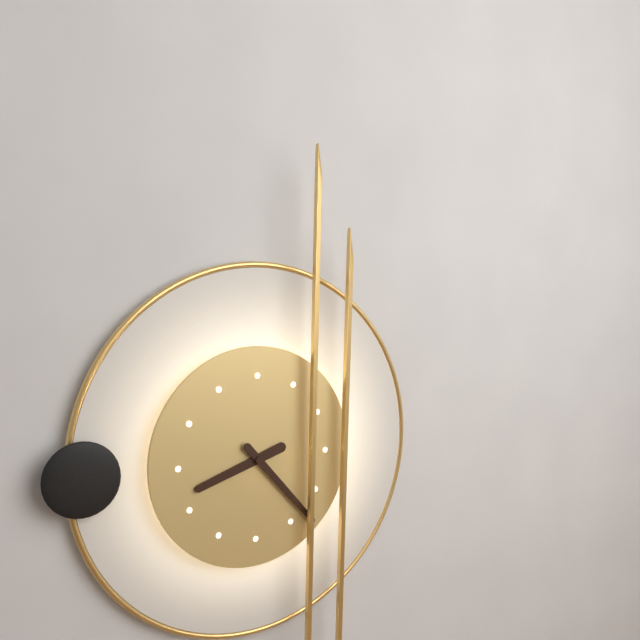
8:23
